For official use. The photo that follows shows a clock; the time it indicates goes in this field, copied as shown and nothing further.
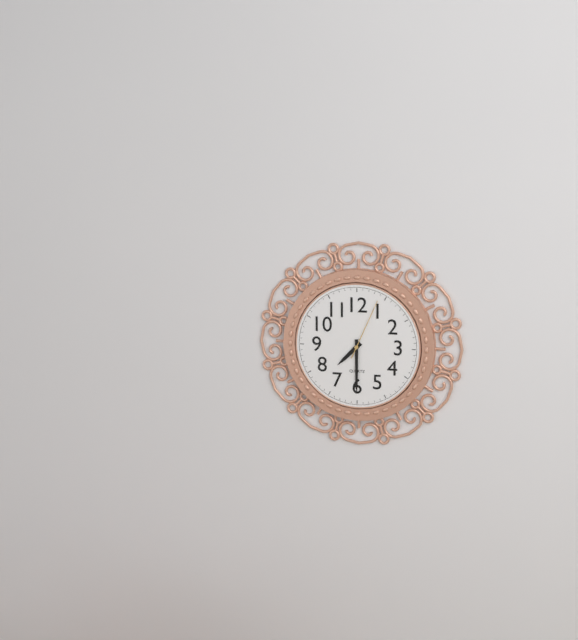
7:30:04
